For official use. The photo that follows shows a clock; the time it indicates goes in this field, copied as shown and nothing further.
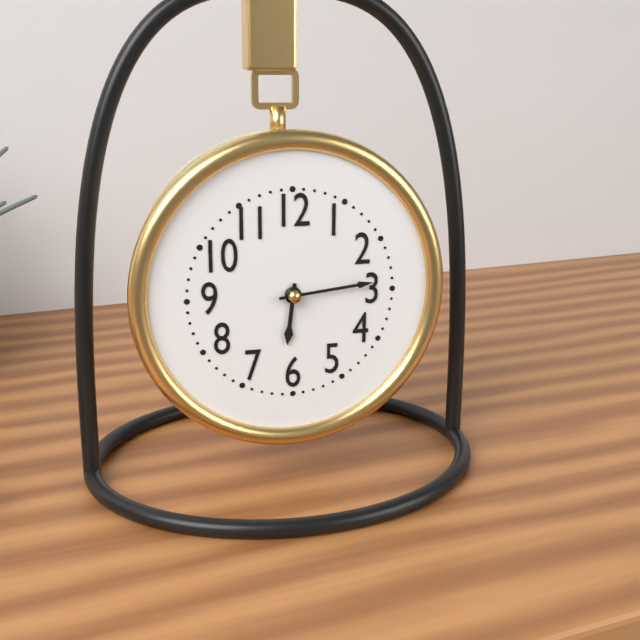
6:14
